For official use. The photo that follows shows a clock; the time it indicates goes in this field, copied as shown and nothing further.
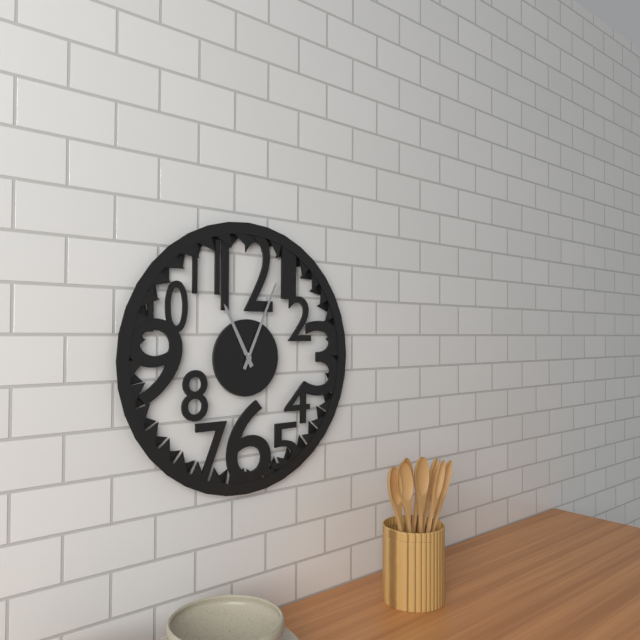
11:04
